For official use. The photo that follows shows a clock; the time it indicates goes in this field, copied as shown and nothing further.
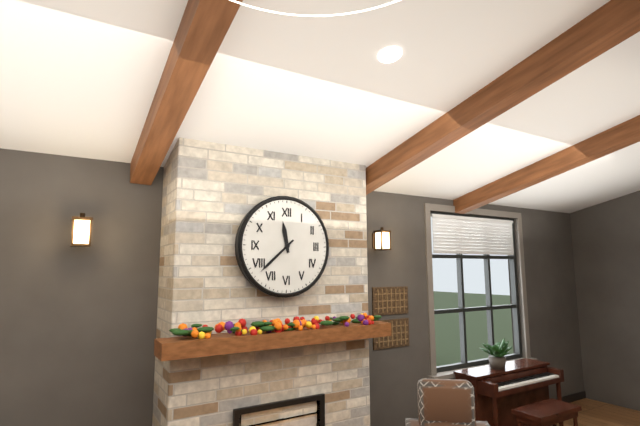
11:38
